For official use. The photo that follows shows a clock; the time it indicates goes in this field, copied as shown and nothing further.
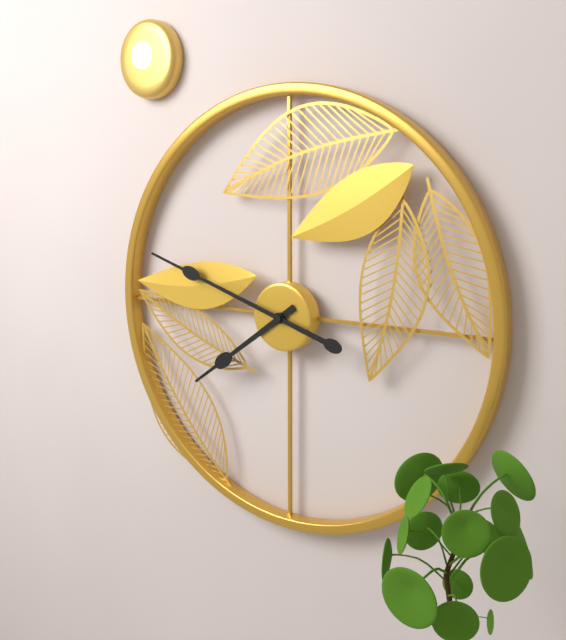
7:48
